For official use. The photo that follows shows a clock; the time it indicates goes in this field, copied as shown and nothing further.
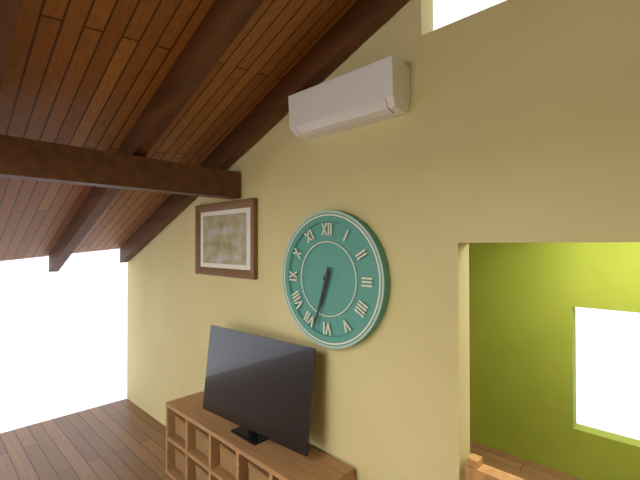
6:33
